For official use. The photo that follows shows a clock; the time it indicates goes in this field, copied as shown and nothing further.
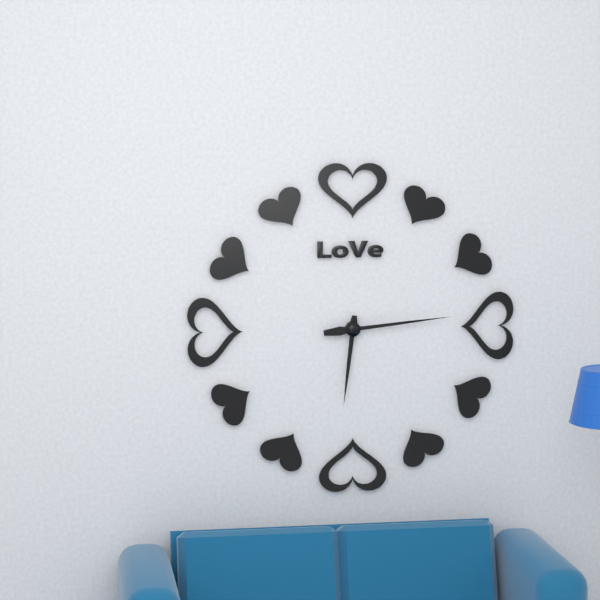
6:14
